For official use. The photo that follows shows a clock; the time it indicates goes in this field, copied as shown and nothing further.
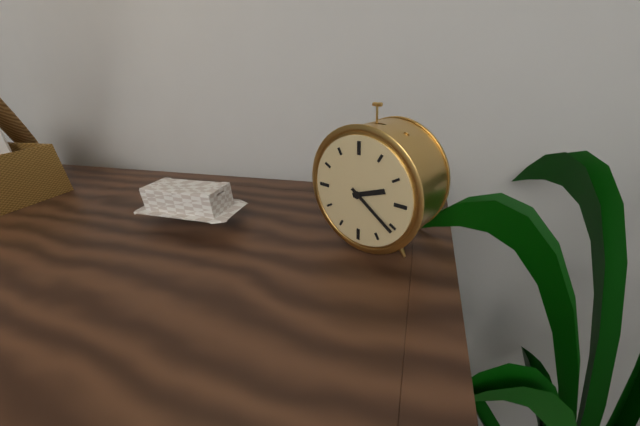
2:21
